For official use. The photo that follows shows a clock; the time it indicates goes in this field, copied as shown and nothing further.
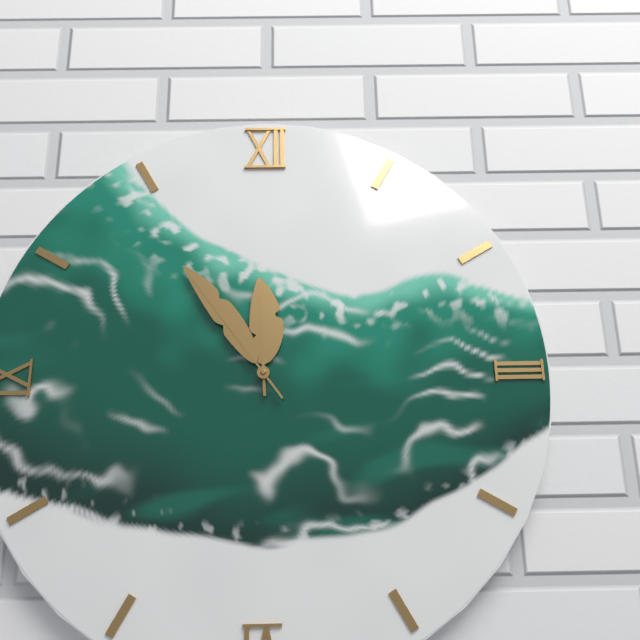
11:54
